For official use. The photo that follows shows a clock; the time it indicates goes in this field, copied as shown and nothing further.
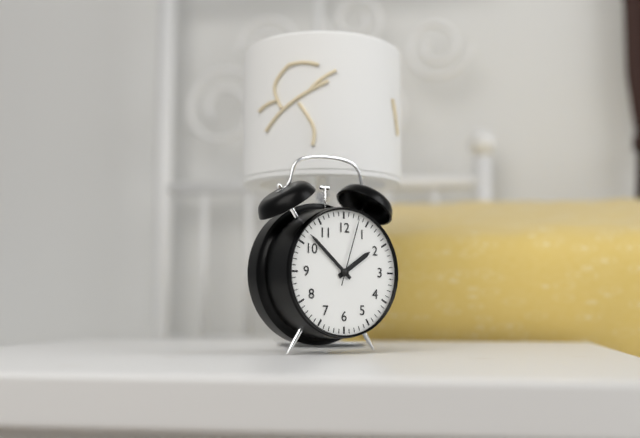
1:52:03
